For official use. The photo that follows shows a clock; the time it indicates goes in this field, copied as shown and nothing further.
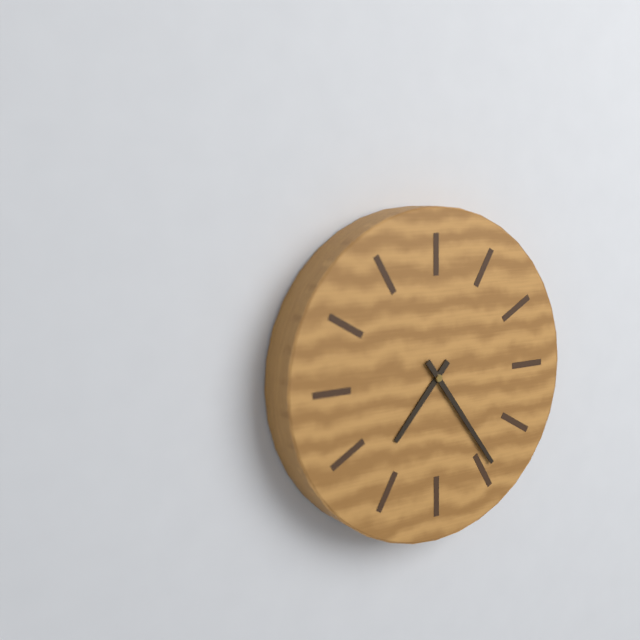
7:24
